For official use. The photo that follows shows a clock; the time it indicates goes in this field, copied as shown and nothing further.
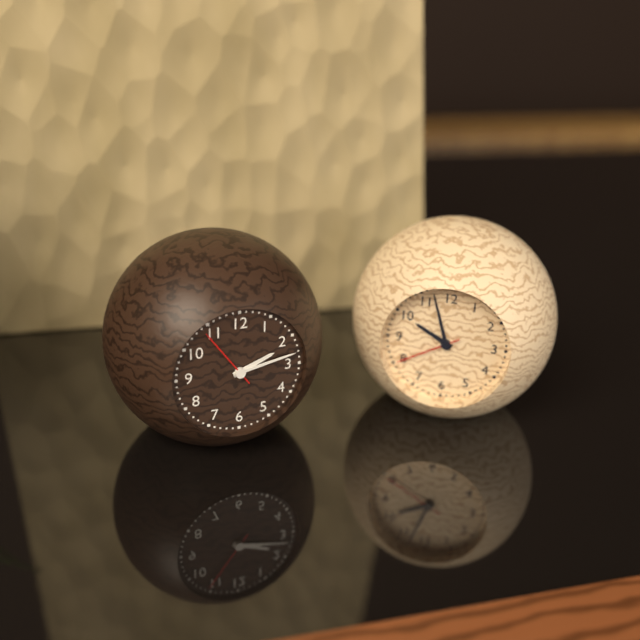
2:13:54
